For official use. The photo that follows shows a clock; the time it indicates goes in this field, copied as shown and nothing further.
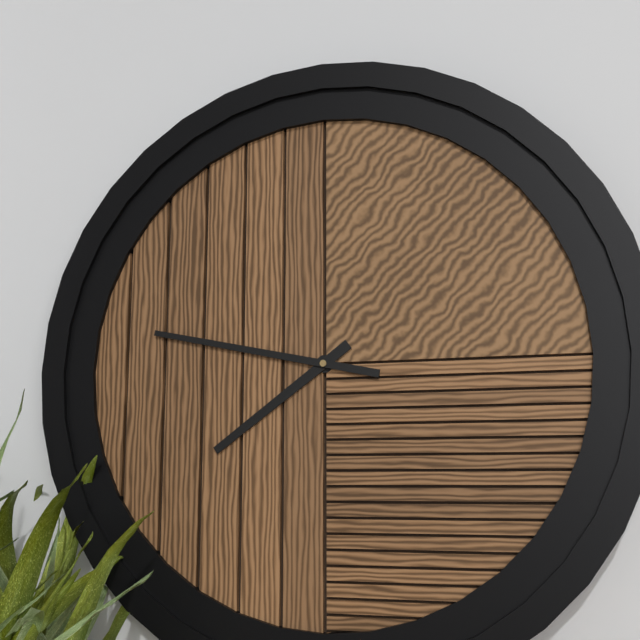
7:47
